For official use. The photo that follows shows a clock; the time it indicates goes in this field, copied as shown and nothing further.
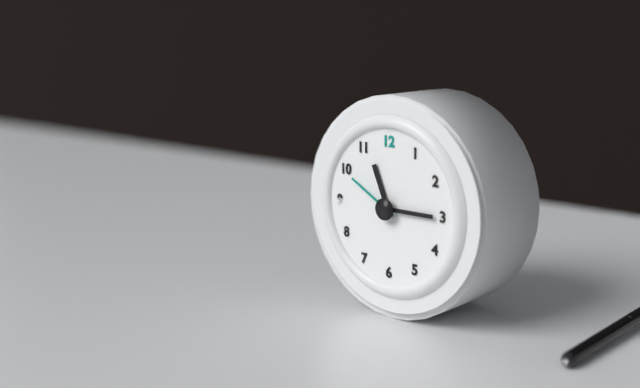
11:15:50
